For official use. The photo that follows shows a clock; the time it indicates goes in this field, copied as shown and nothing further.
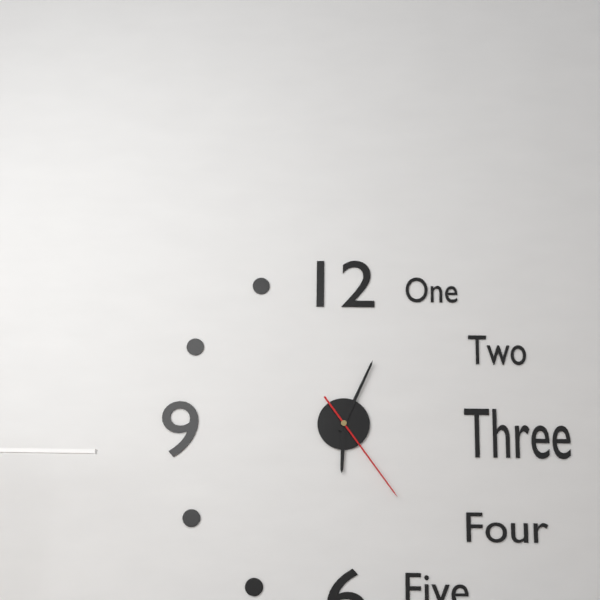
6:04:24
